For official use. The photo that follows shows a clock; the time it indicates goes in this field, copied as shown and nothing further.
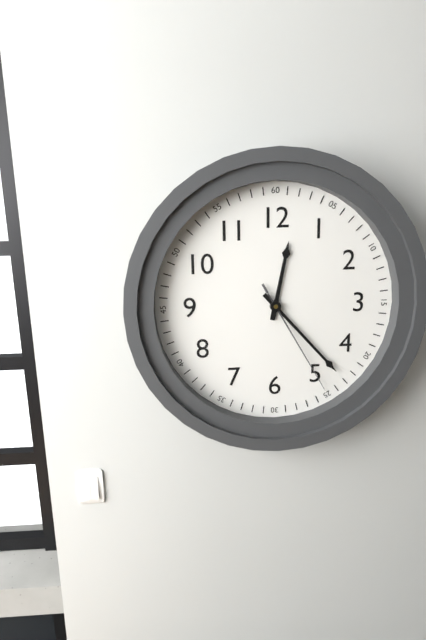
12:23:25
